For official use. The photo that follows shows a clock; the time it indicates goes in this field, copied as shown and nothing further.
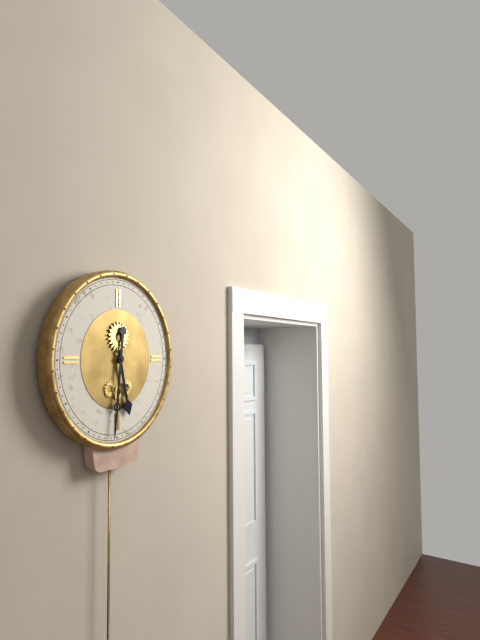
5:31
